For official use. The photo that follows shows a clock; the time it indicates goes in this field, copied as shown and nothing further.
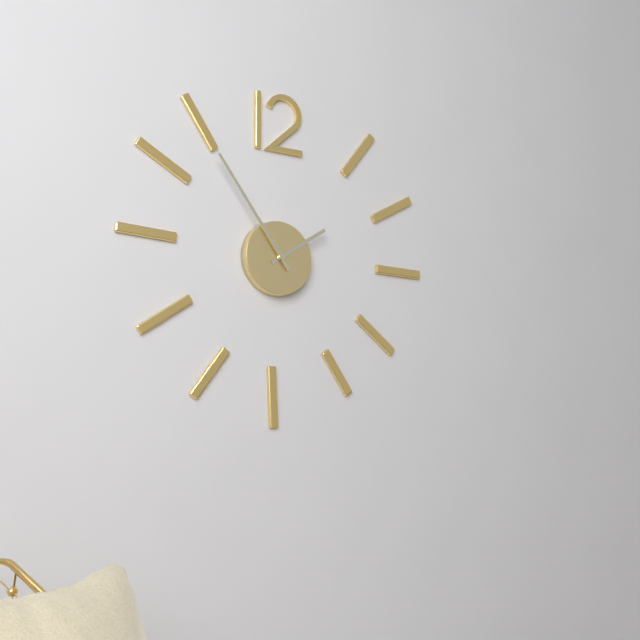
1:54
